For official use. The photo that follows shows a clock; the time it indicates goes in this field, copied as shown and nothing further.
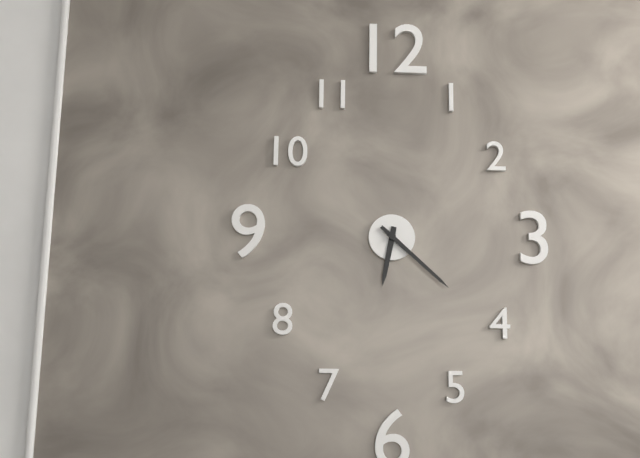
6:22
